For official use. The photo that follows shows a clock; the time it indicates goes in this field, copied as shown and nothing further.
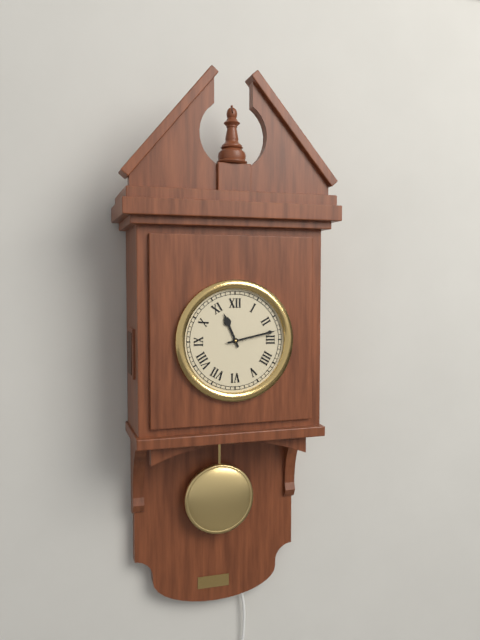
11:13
